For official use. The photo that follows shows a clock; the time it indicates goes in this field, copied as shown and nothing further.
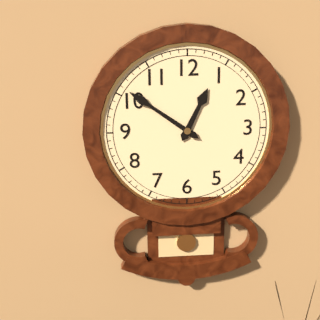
12:51
